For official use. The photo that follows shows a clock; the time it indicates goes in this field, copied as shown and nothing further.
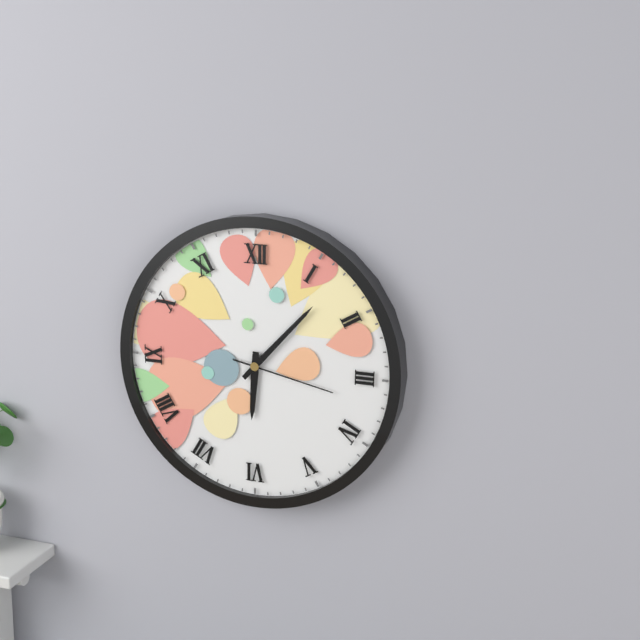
6:07:17
